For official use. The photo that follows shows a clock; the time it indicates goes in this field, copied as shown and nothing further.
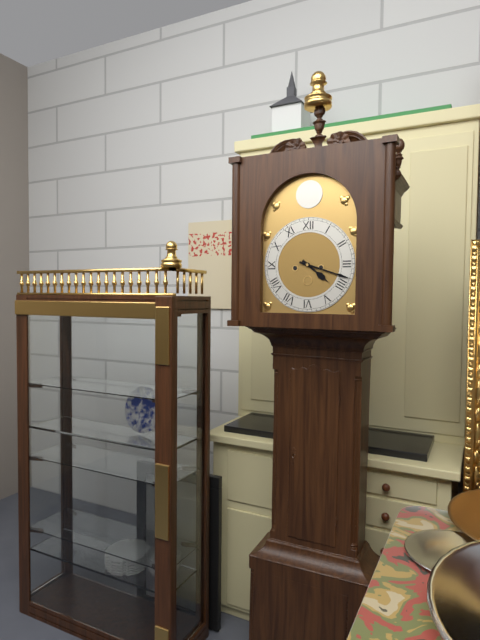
4:18
